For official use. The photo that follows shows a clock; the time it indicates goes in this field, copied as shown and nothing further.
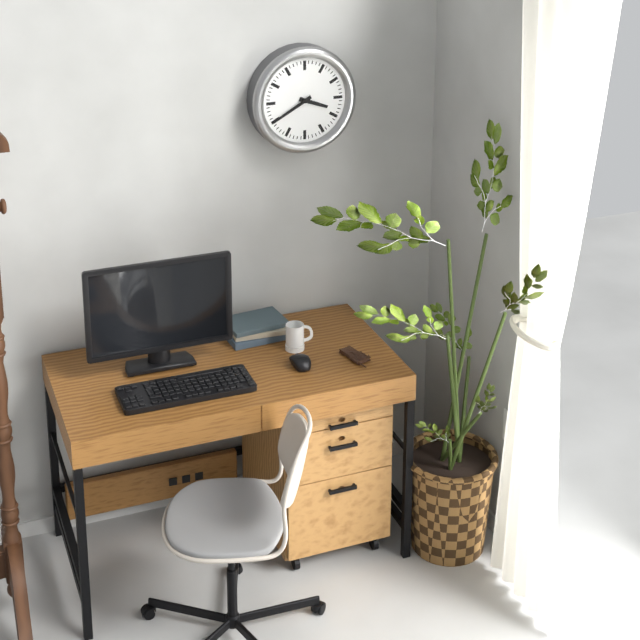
3:40
